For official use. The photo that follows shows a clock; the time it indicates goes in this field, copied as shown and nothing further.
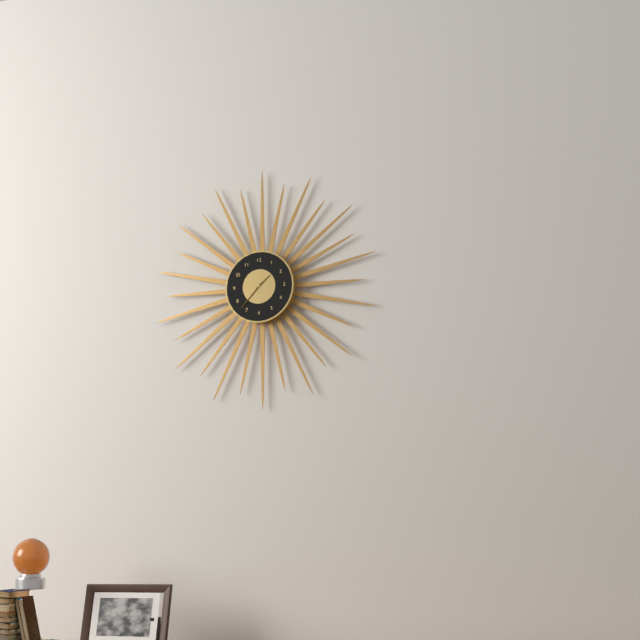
1:37
